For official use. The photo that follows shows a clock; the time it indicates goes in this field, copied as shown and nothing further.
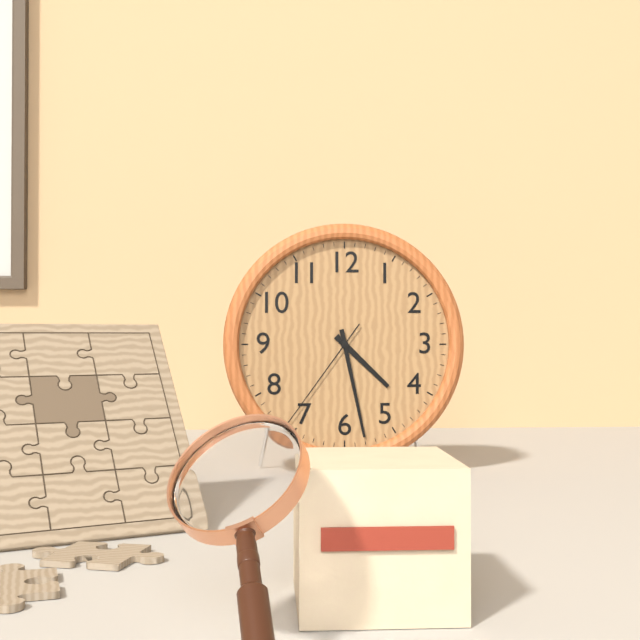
4:28:36
